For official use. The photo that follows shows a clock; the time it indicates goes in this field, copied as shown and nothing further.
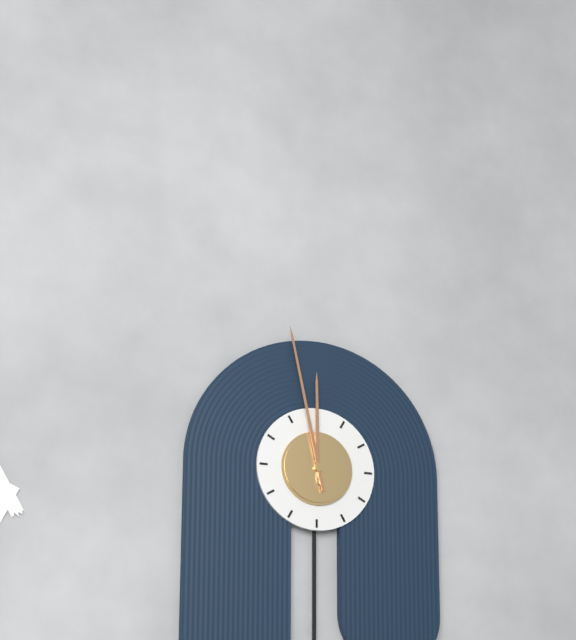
11:58
